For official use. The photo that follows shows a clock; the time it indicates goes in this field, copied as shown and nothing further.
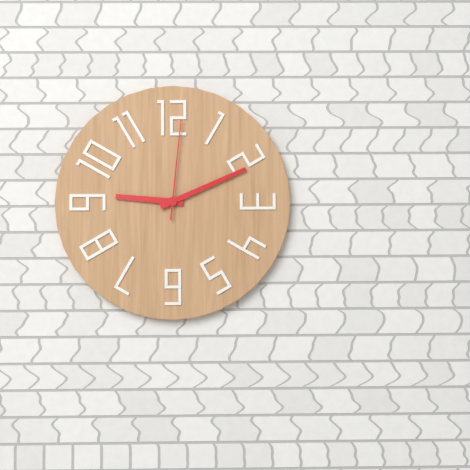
9:11:01
